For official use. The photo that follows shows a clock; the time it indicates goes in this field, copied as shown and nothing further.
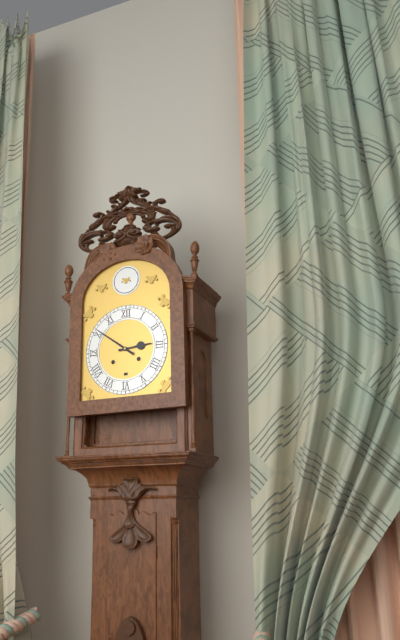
2:51
